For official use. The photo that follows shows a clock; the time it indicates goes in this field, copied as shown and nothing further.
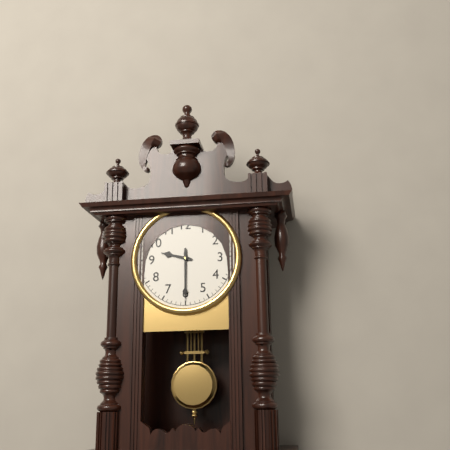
9:30
